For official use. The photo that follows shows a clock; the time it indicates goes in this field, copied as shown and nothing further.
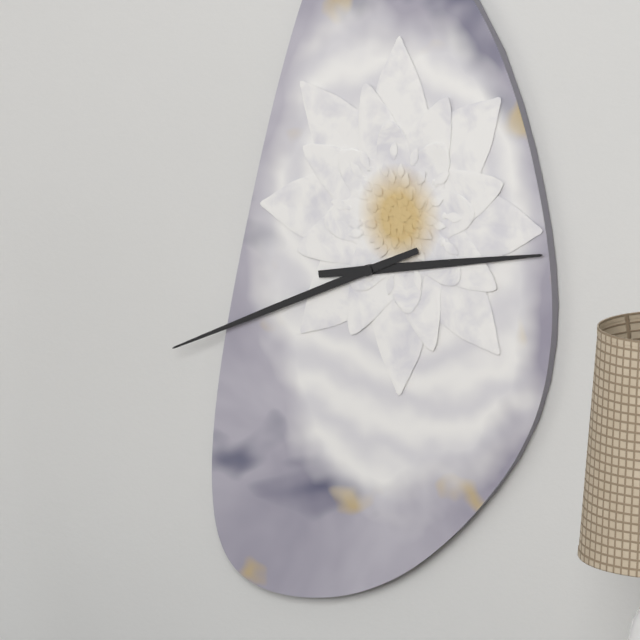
2:41
